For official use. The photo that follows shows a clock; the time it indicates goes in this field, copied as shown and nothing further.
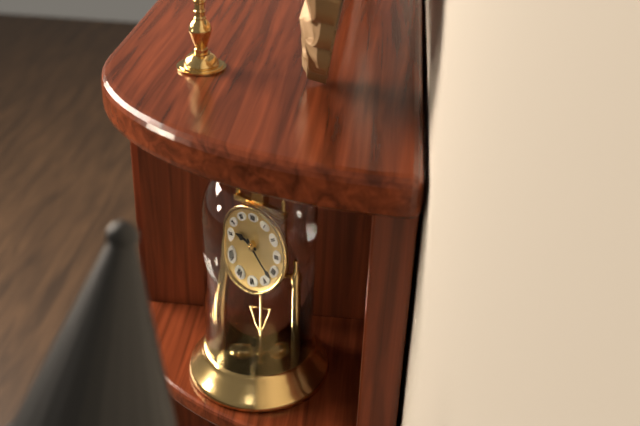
9:22
